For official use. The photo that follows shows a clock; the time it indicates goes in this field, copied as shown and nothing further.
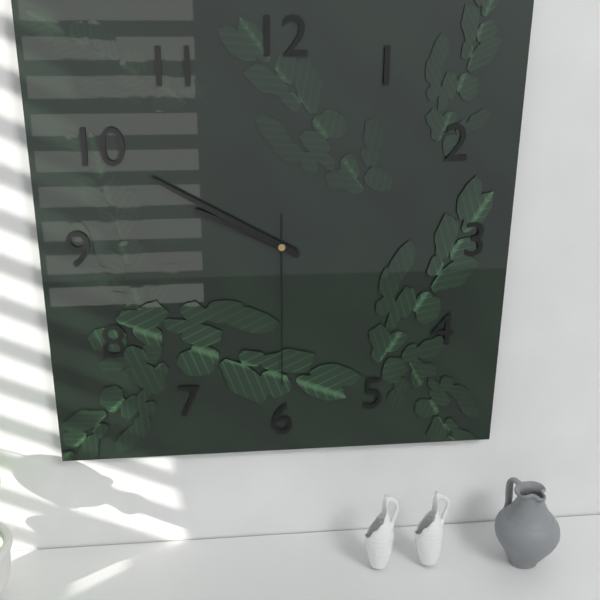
9:50:30
